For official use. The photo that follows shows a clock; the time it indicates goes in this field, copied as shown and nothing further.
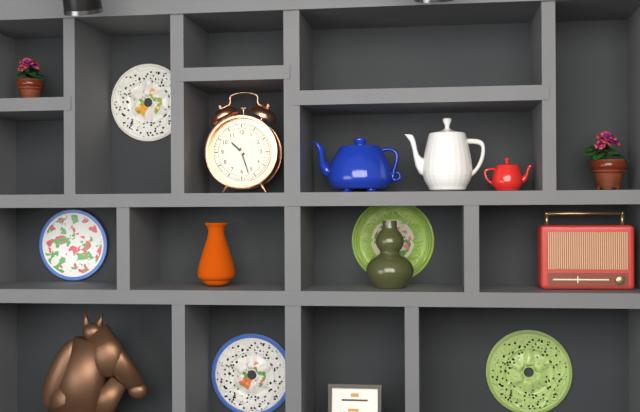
10:27
